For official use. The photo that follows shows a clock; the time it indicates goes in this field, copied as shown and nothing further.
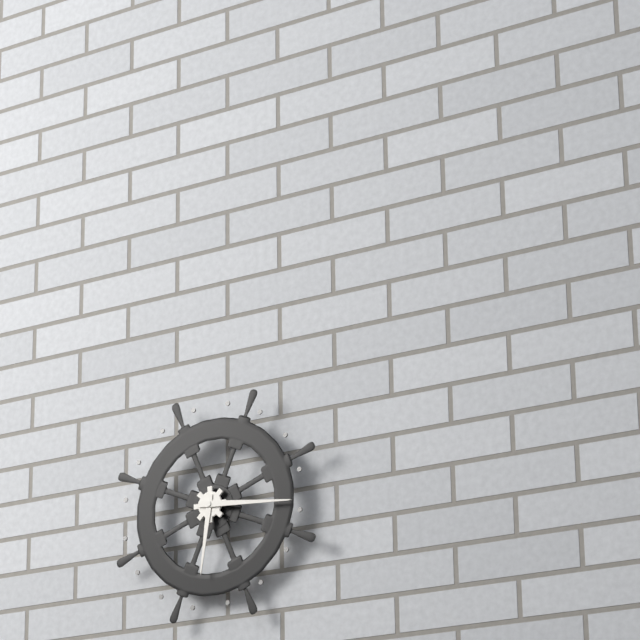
6:16
